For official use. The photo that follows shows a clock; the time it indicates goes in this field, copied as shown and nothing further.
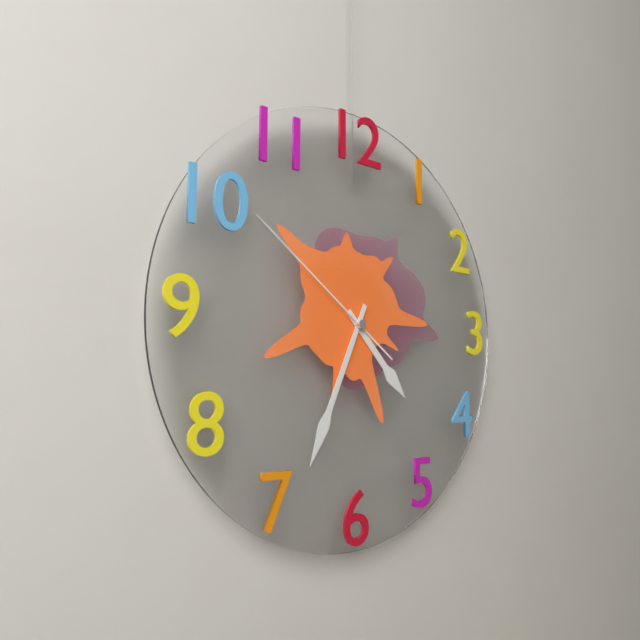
4:34:51
